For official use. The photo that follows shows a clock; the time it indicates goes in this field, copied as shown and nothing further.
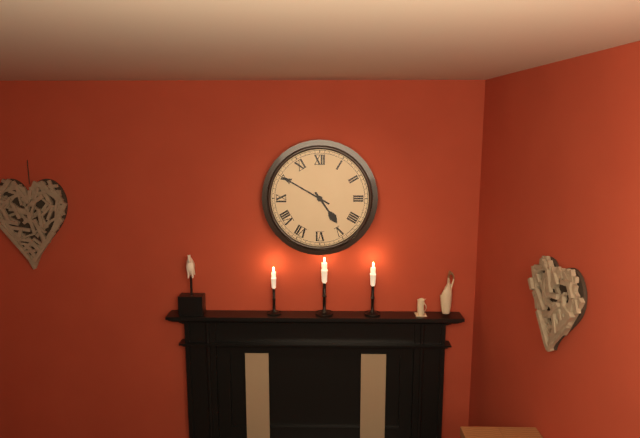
4:50
